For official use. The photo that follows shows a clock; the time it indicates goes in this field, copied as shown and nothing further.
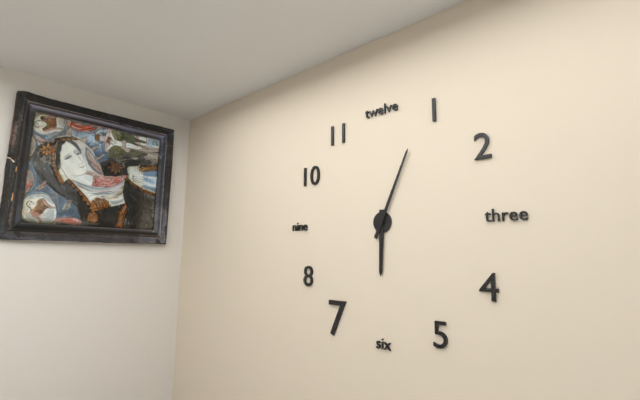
6:04
